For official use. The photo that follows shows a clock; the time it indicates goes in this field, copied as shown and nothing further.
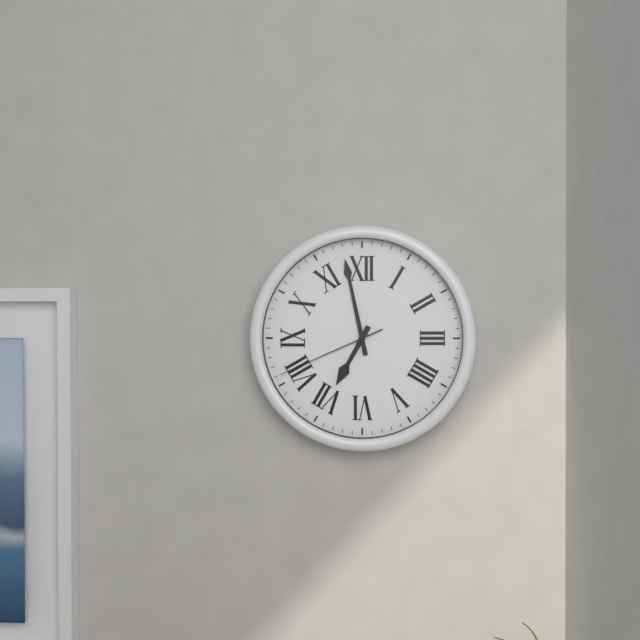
6:58:41
